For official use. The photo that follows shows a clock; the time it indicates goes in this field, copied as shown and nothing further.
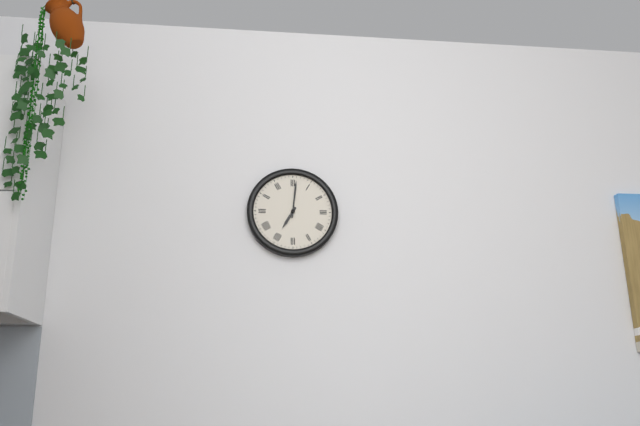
7:01
